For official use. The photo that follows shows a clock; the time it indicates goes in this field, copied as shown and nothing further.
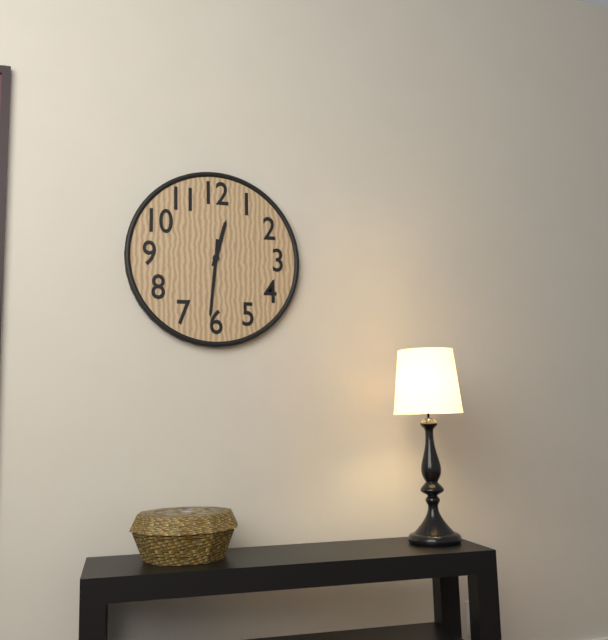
12:31
